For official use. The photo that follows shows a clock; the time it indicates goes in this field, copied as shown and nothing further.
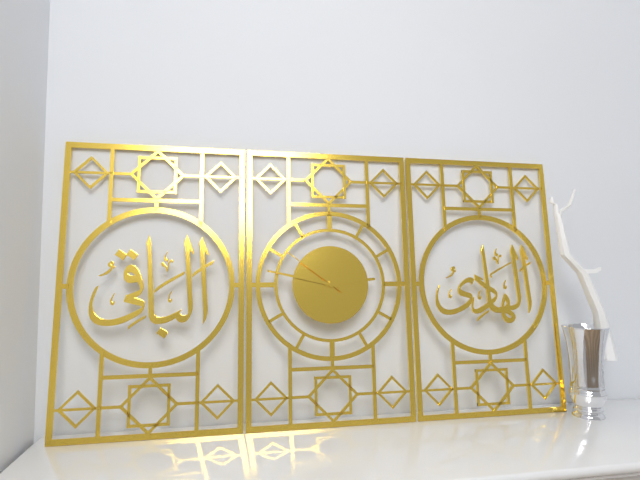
2:47:51
